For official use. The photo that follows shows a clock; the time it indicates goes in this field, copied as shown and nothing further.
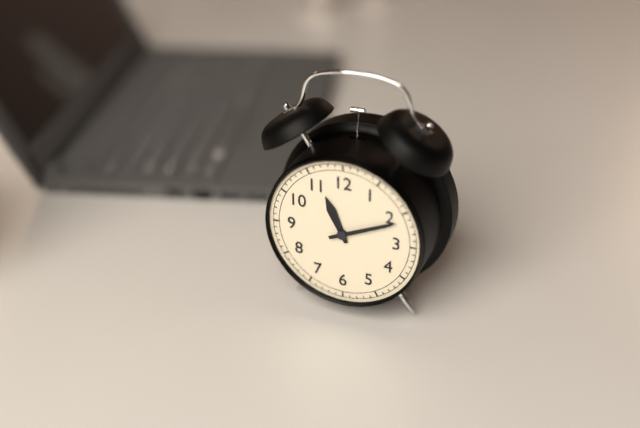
11:11
